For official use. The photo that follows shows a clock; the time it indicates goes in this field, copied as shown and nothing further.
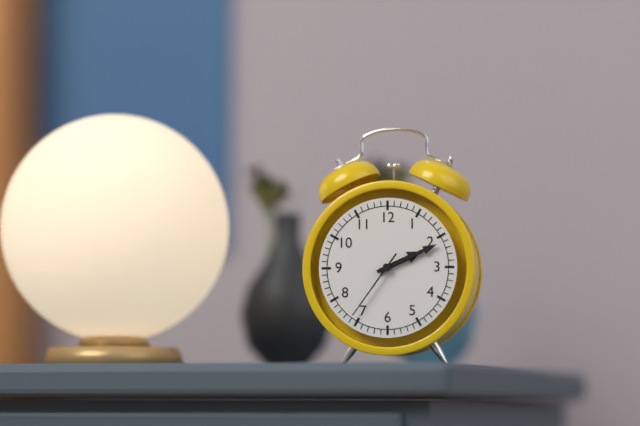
2:11:36
